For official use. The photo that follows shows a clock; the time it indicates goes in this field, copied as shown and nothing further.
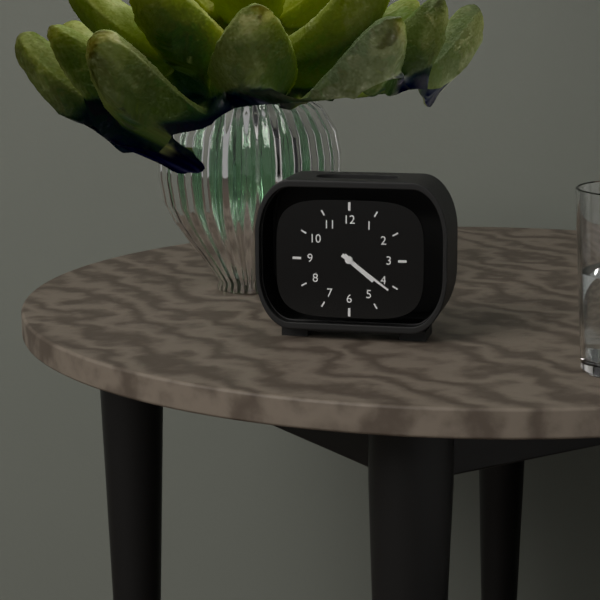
4:21
